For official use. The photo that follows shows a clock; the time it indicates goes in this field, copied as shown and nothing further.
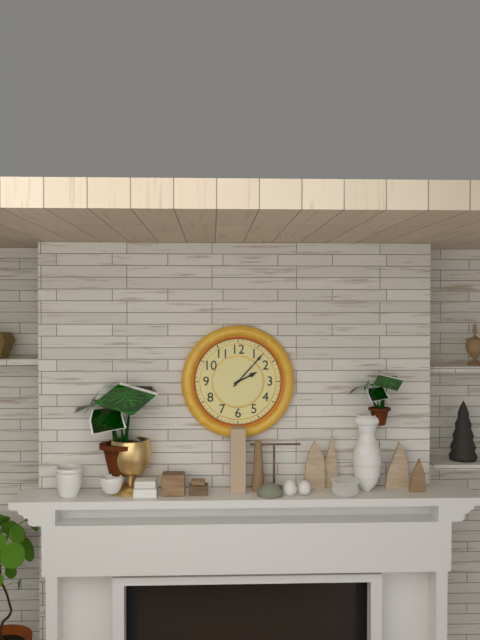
2:07
